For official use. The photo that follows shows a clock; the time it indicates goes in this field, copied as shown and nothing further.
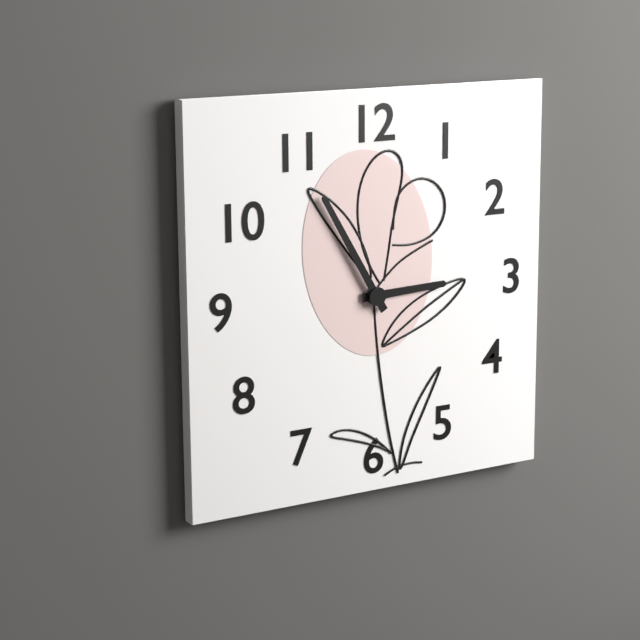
2:55
